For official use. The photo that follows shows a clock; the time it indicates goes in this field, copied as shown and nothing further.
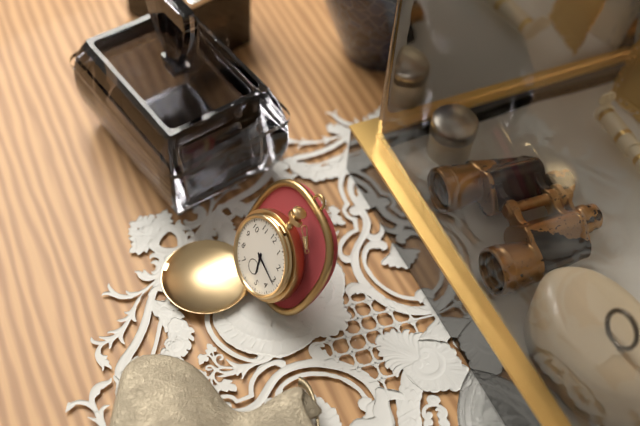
5:16
